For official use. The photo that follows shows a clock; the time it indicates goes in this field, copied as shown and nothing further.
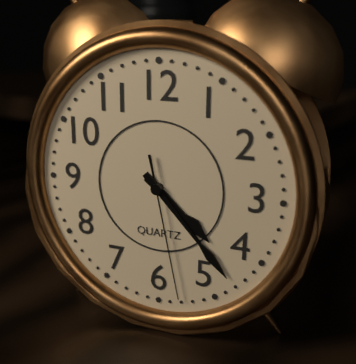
4:23:28
